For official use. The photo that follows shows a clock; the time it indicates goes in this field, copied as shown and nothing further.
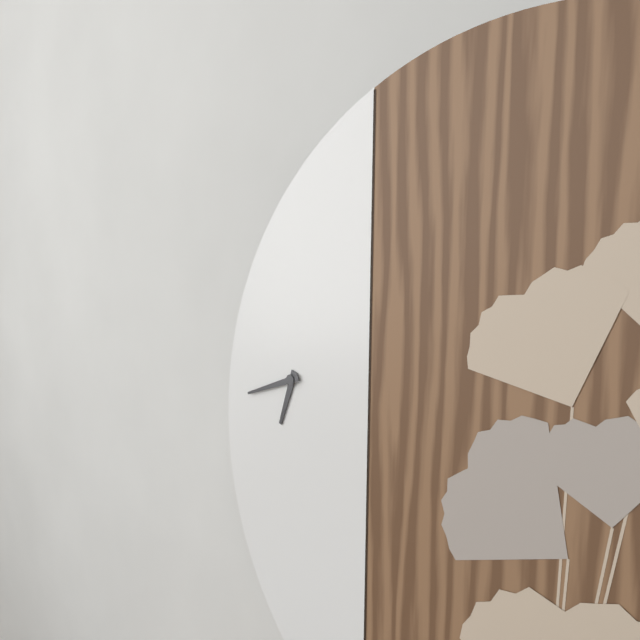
6:42
